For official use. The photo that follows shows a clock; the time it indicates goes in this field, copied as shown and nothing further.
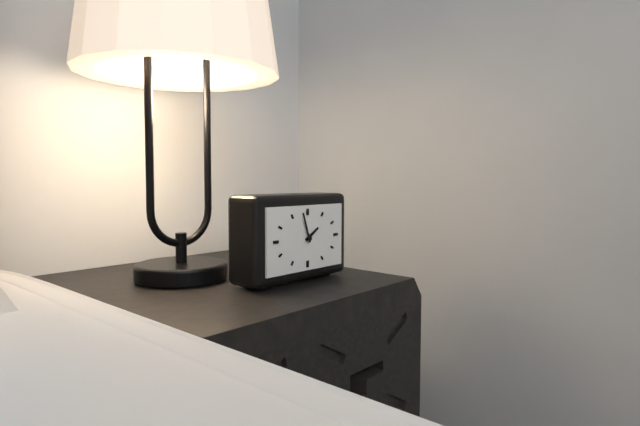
1:57
